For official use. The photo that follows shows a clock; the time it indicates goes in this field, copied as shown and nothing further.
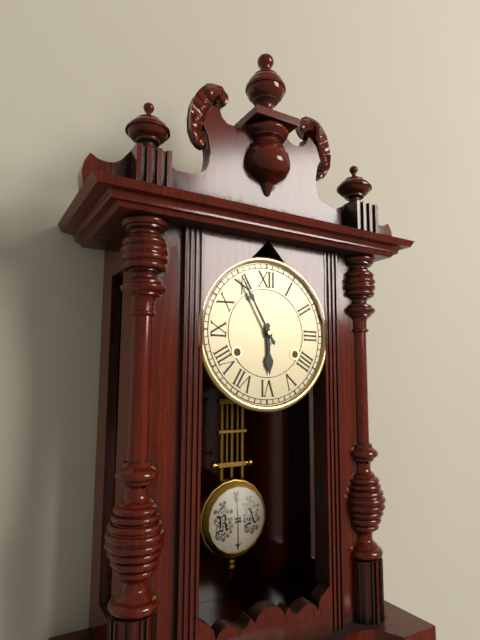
5:55
